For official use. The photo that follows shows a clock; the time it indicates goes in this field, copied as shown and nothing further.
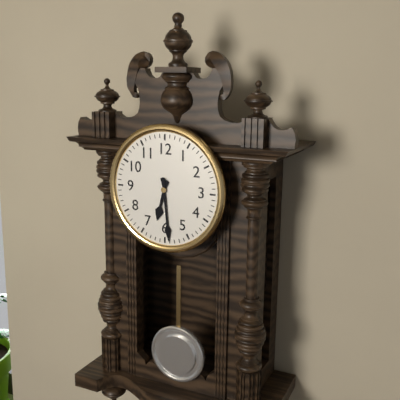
6:29
